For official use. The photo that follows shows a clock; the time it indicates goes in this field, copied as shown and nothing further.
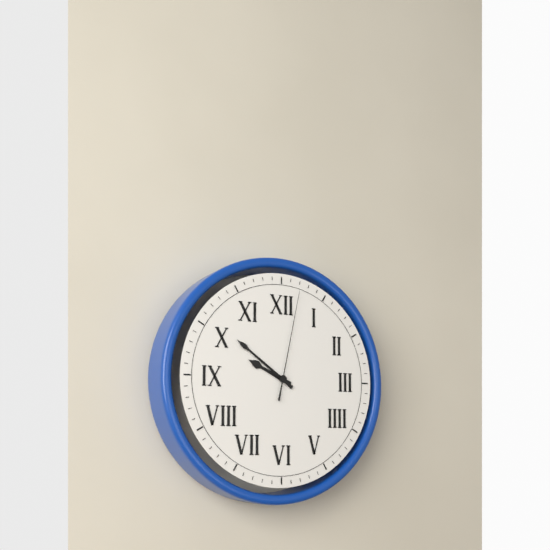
9:51:02
